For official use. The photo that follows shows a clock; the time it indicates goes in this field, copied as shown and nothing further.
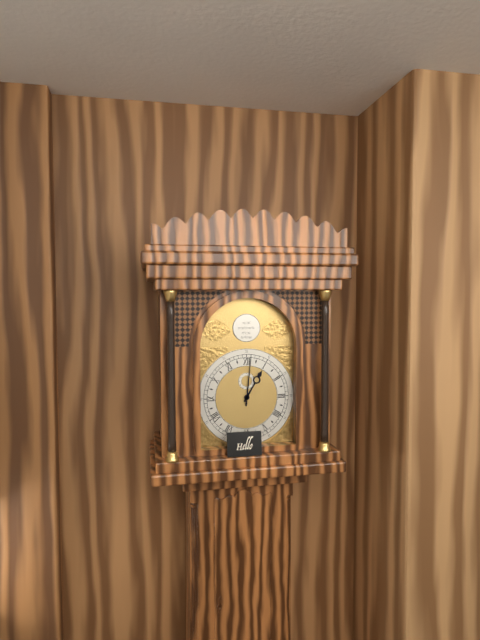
1:01
